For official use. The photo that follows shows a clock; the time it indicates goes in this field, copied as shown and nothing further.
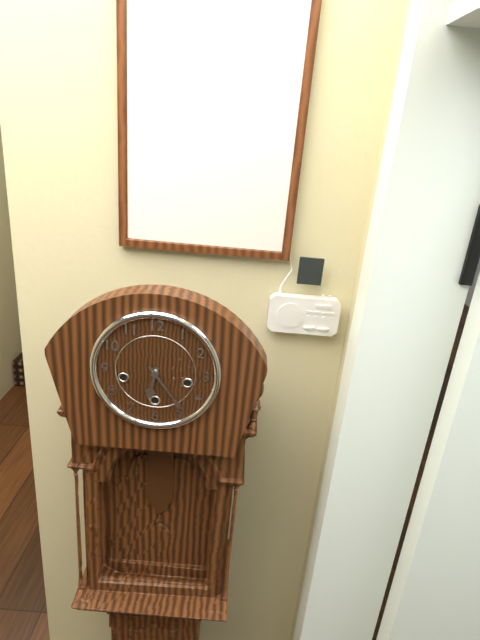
6:24
